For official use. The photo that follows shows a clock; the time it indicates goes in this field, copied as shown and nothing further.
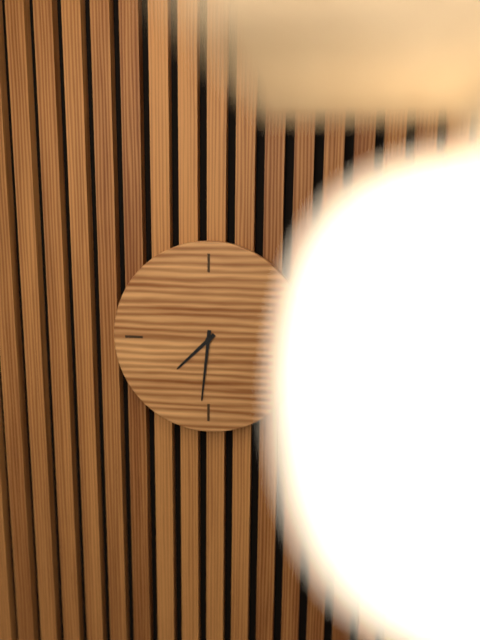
7:31
